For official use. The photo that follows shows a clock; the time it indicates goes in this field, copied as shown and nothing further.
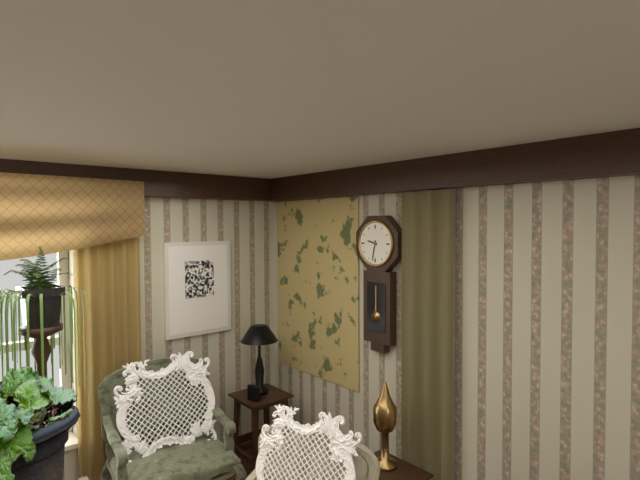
9:32
